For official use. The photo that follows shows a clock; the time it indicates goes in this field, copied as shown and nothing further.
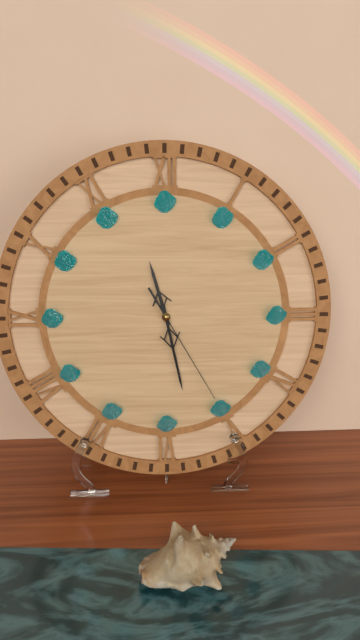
11:28:25
